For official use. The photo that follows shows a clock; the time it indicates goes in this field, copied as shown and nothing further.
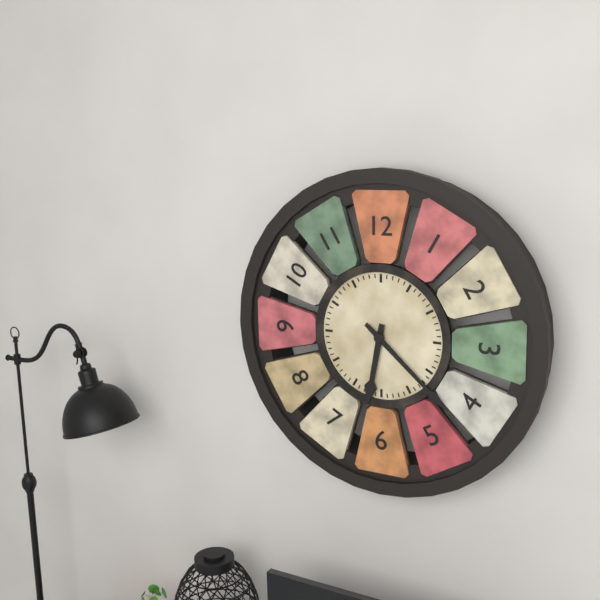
6:22
